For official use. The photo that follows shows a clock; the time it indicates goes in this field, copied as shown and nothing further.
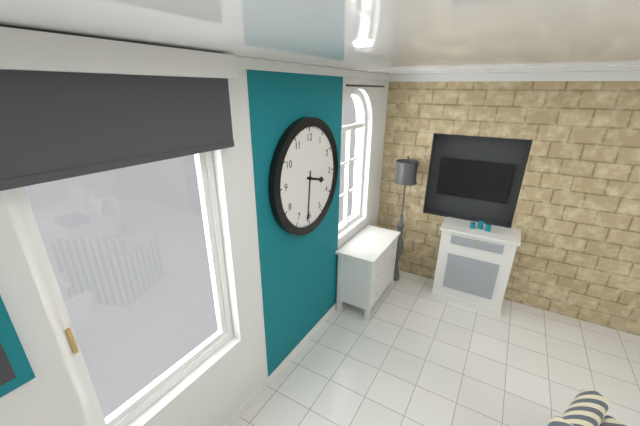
3:31
